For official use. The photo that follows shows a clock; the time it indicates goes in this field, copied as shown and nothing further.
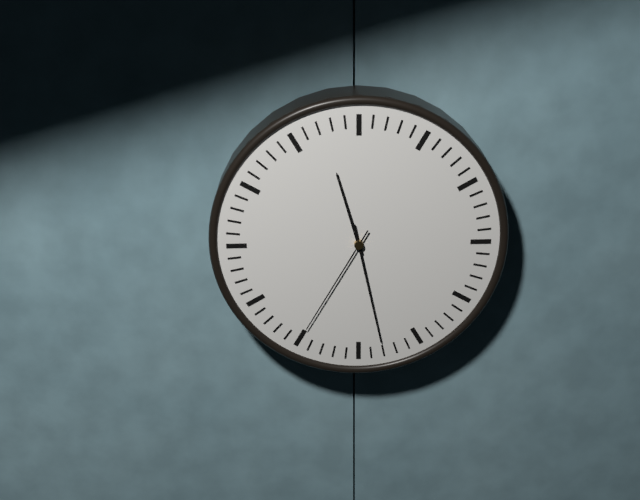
11:28:35
